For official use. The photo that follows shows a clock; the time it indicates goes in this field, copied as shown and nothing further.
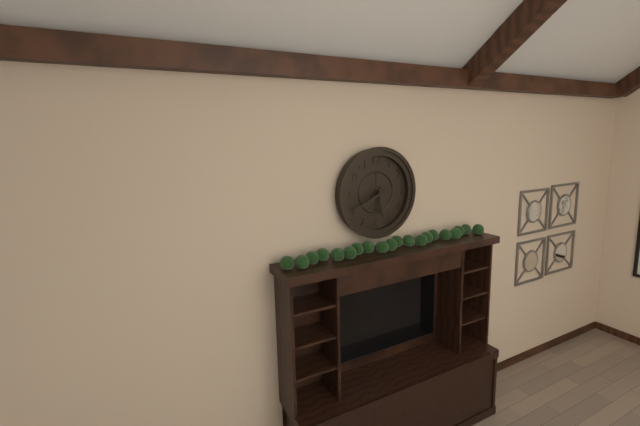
5:41
